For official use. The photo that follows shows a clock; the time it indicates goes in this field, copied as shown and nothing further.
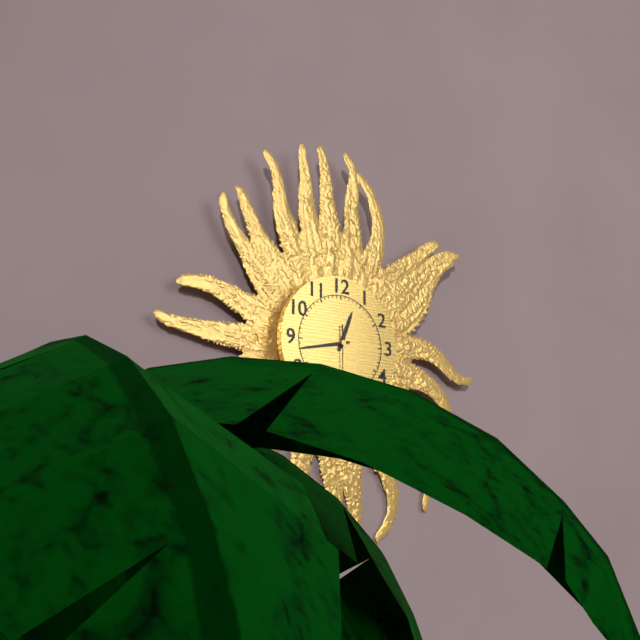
12:43
